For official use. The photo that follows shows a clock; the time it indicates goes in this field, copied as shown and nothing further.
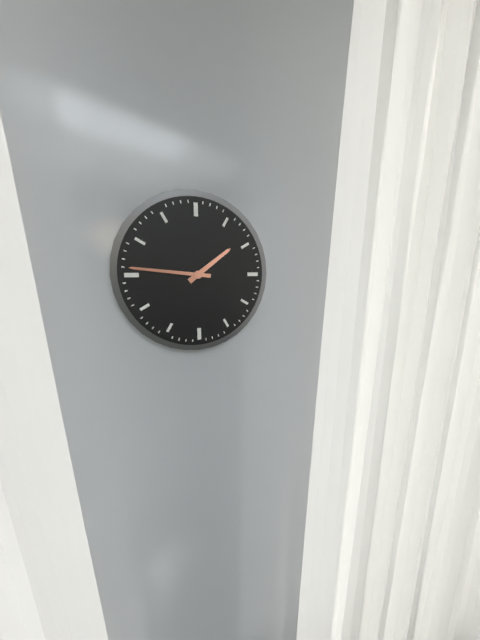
1:46
